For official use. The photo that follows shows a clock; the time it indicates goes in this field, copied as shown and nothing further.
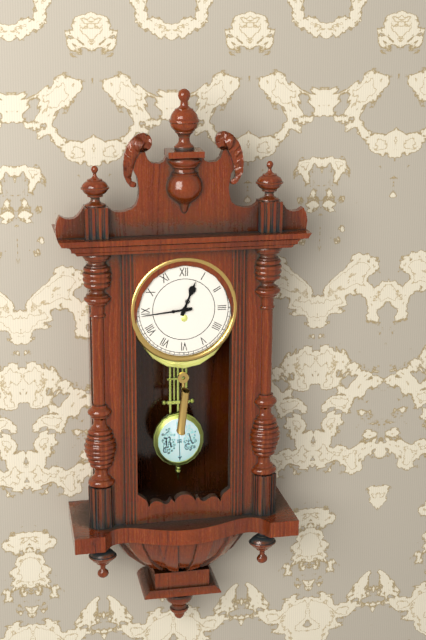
12:44
